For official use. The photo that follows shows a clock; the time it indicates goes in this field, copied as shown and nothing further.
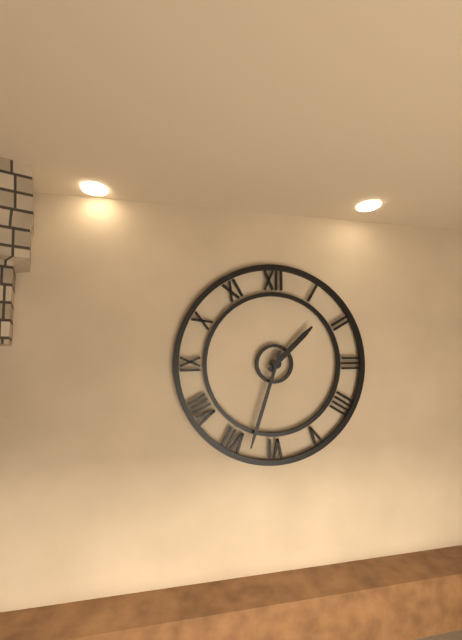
1:33
